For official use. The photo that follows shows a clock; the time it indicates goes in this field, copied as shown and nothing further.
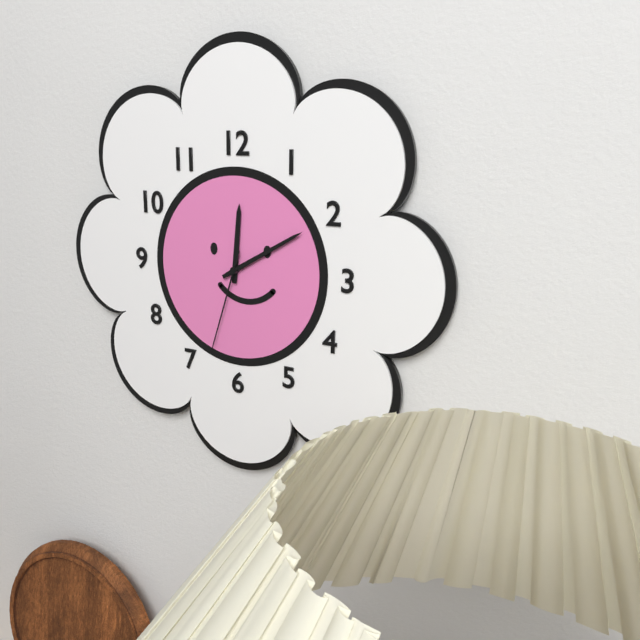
12:10:33
